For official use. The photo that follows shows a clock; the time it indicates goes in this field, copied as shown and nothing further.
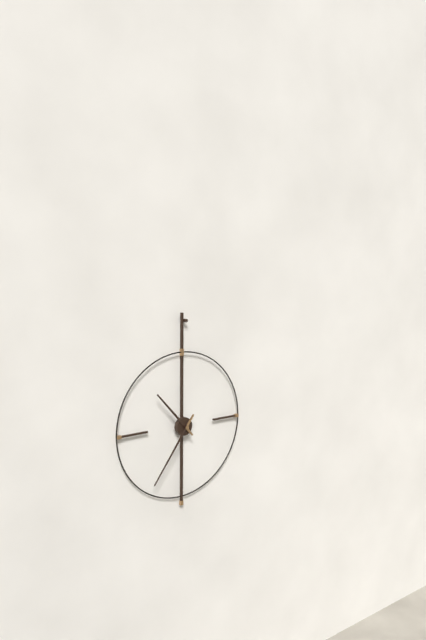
10:36
